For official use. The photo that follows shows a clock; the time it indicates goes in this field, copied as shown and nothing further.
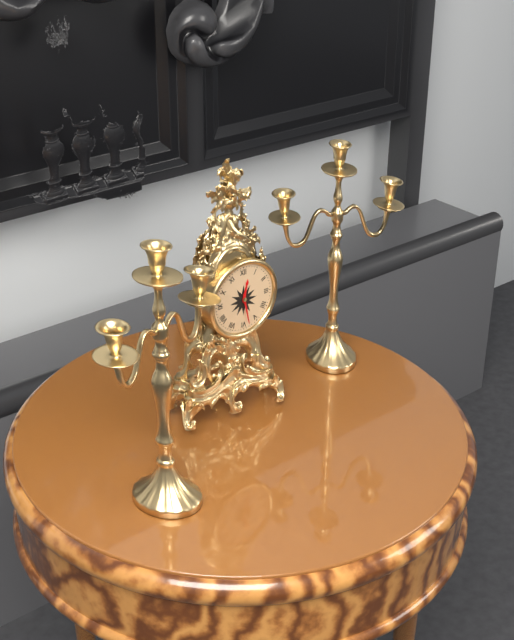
12:28
